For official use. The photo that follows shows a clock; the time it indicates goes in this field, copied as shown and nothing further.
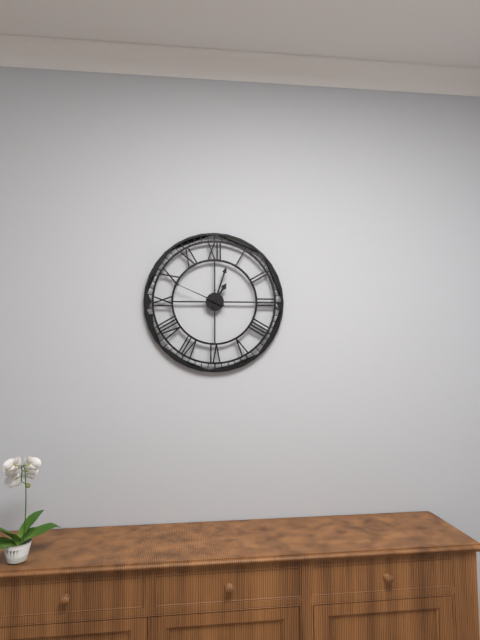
1:03:49
